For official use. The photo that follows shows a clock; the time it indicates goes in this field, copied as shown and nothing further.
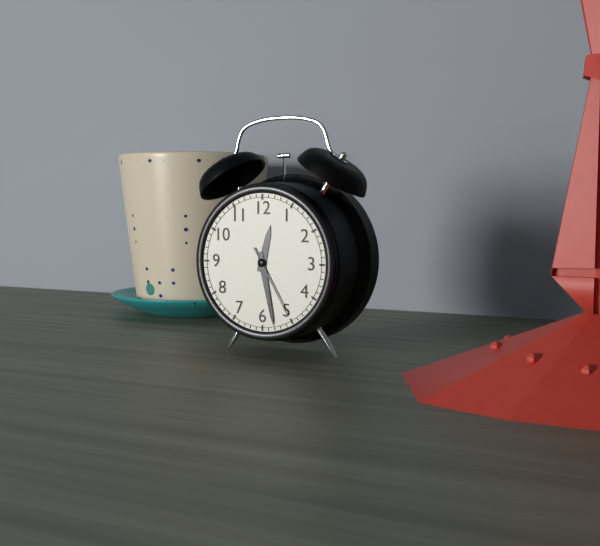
12:28:25
